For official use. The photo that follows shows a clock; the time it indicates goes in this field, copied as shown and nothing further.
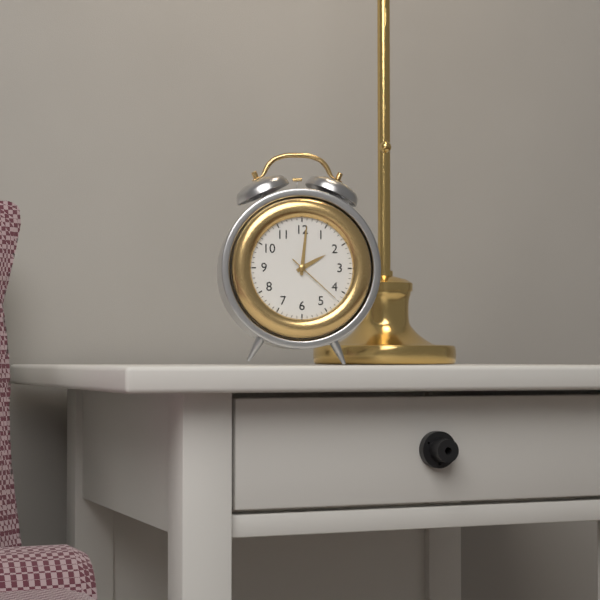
2:01:22
